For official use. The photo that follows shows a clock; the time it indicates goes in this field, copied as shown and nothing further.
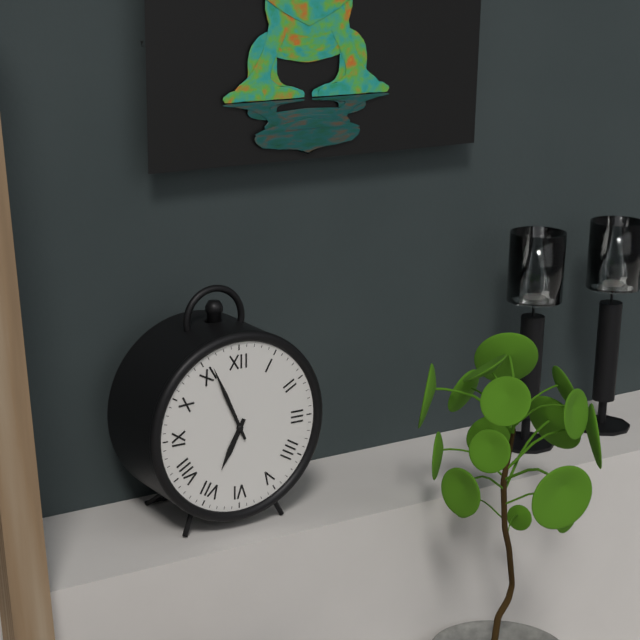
6:56
